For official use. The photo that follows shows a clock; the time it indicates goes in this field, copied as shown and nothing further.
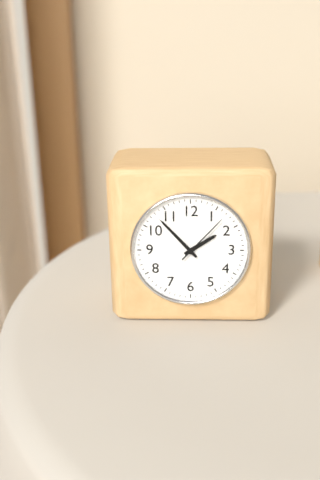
1:53:07
